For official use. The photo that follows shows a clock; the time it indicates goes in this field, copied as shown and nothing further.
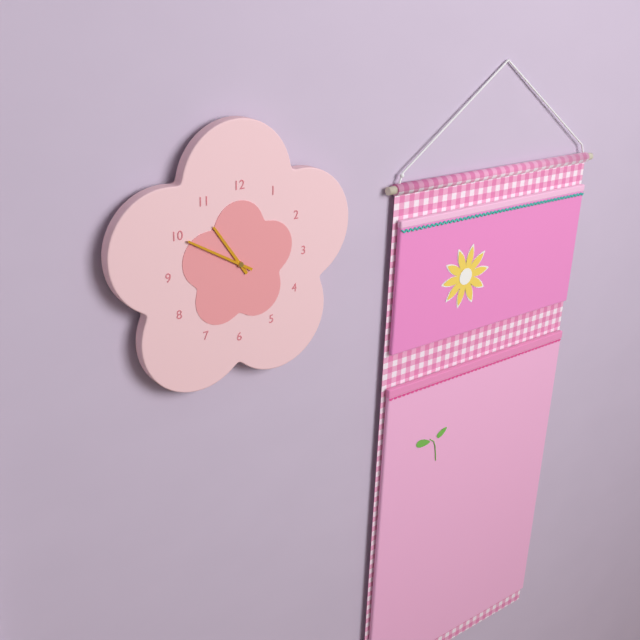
10:50
